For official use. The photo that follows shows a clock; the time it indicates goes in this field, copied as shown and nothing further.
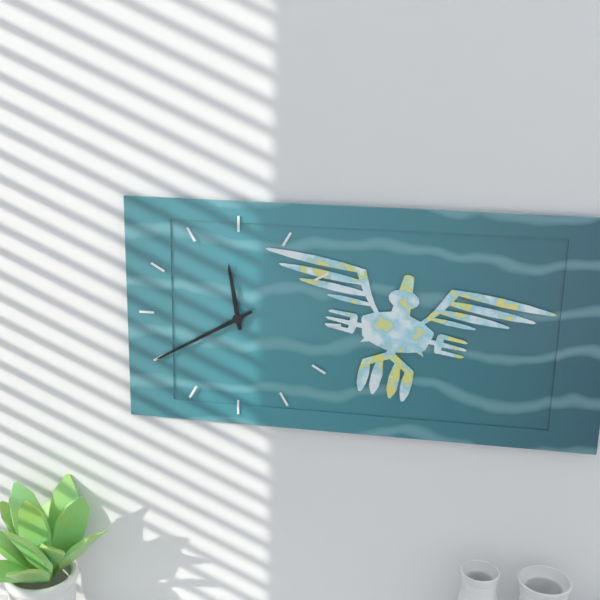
11:40
